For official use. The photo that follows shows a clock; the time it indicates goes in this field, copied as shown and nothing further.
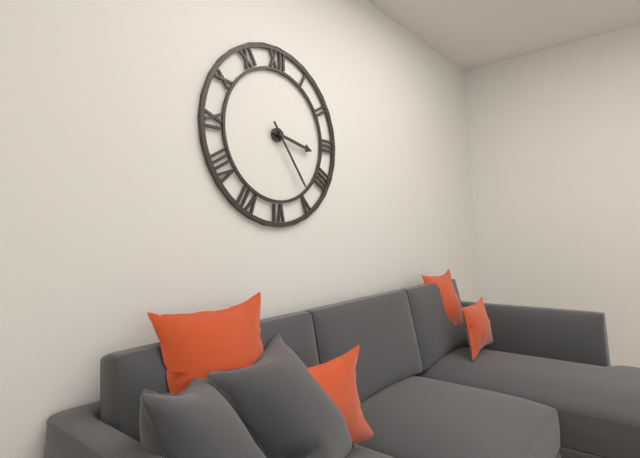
3:24
